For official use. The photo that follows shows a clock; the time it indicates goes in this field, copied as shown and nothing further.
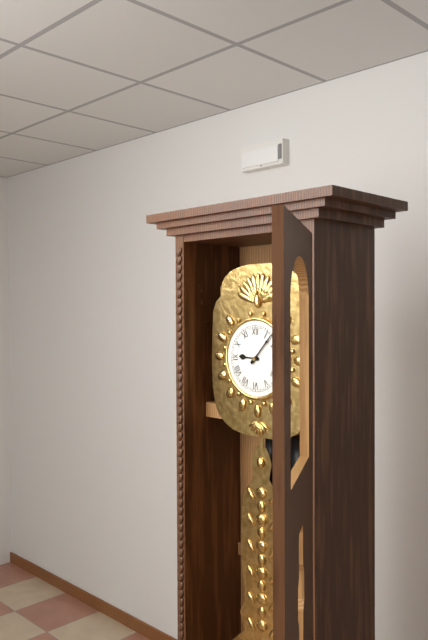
9:07
